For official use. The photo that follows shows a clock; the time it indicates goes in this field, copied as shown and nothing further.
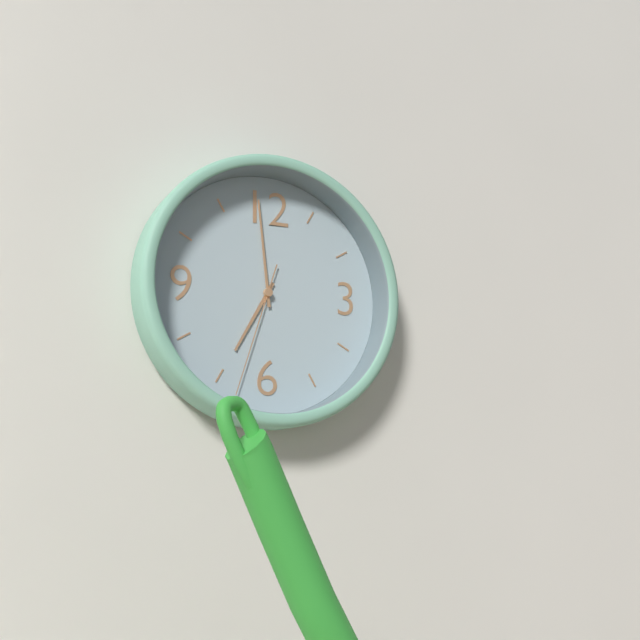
6:59:33
